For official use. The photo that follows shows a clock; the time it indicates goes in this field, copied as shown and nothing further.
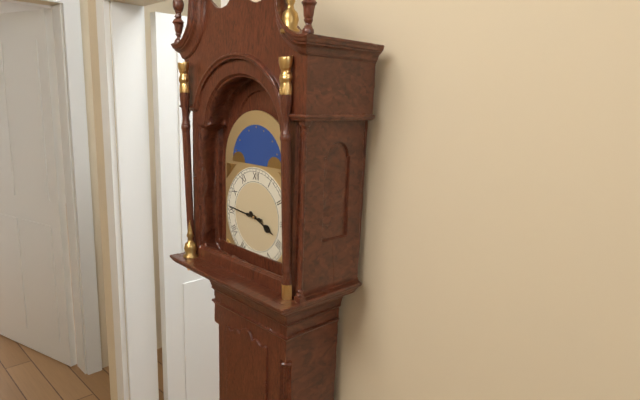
3:46
